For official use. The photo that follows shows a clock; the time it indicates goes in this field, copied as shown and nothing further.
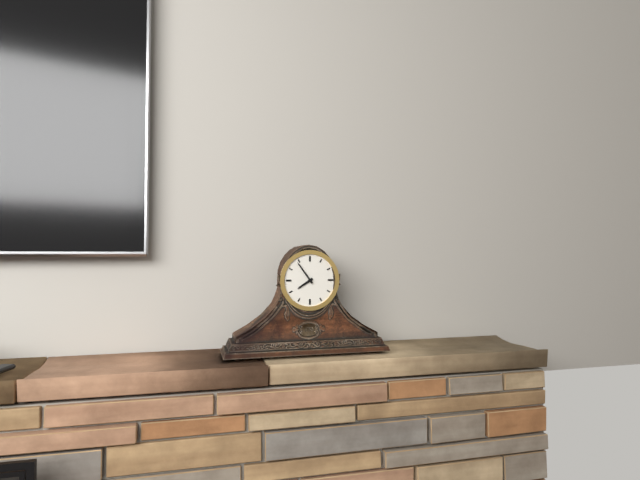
7:54
